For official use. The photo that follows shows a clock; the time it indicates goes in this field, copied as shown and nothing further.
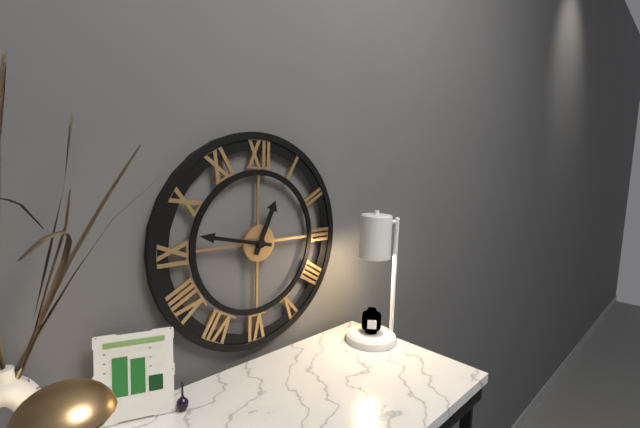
12:47
